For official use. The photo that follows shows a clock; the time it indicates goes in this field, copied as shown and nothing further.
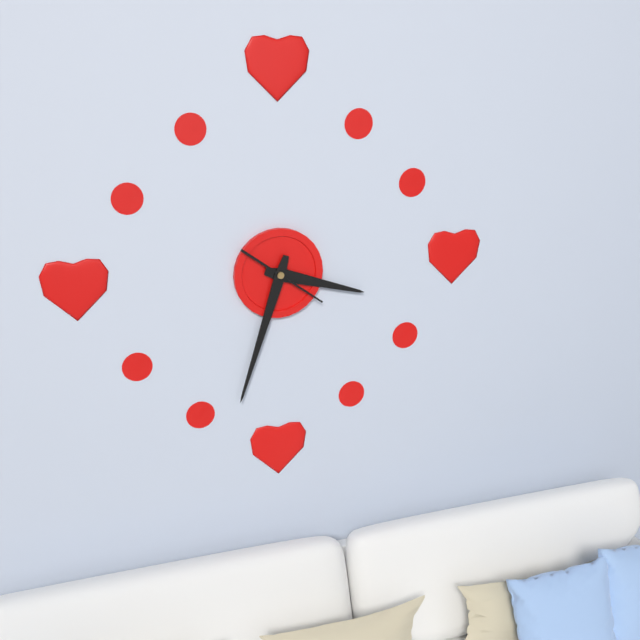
3:33:21
